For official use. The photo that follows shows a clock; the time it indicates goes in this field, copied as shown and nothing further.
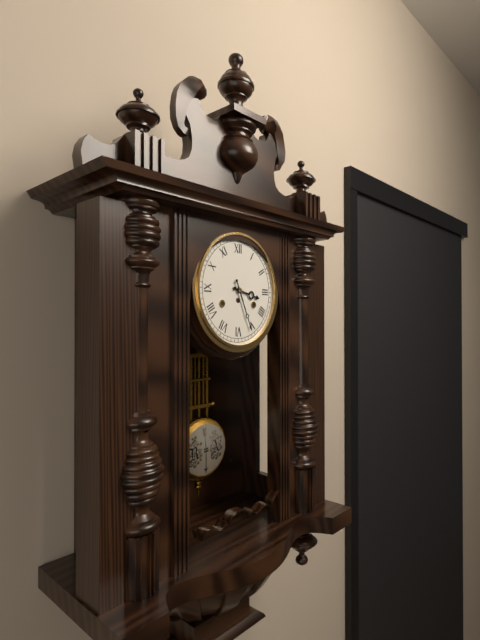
3:26
